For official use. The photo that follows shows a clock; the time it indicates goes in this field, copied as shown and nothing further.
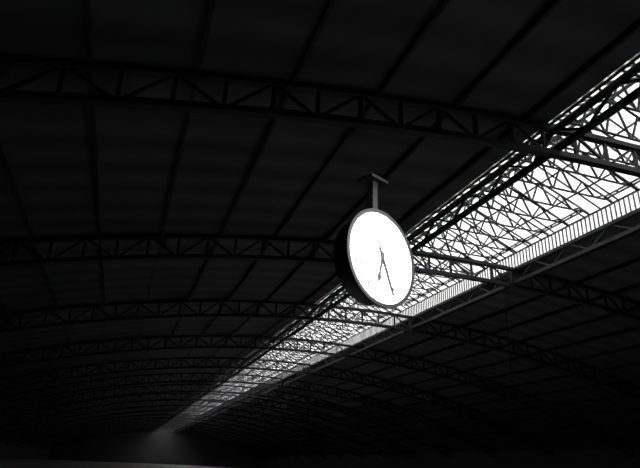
6:26
